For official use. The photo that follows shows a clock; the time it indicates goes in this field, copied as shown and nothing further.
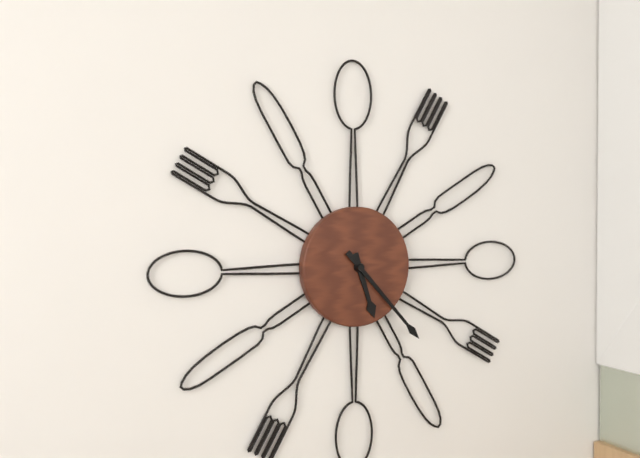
5:23
